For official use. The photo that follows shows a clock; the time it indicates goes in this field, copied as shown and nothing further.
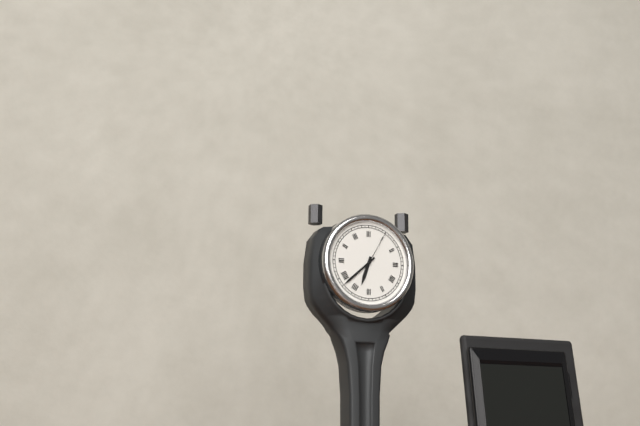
6:38
